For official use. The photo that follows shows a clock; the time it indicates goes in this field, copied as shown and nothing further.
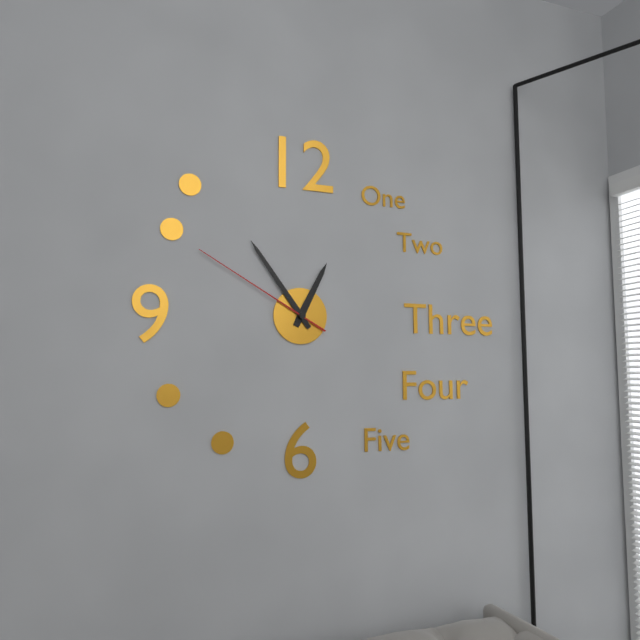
12:54:50
